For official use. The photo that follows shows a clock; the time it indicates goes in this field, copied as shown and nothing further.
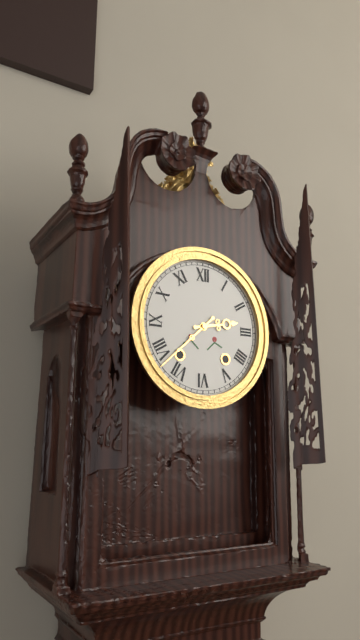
2:38
